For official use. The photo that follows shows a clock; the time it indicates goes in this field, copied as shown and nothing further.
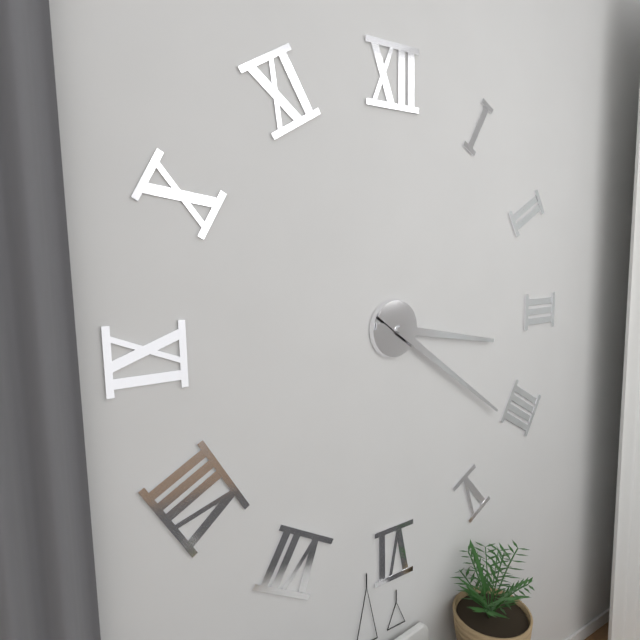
3:21
